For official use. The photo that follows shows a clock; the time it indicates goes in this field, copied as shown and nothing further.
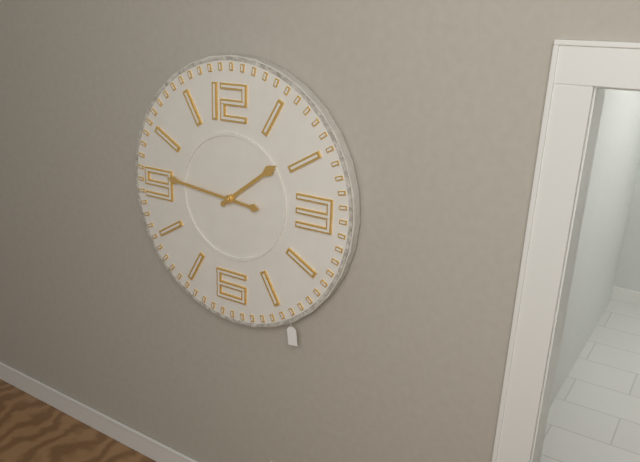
1:46
